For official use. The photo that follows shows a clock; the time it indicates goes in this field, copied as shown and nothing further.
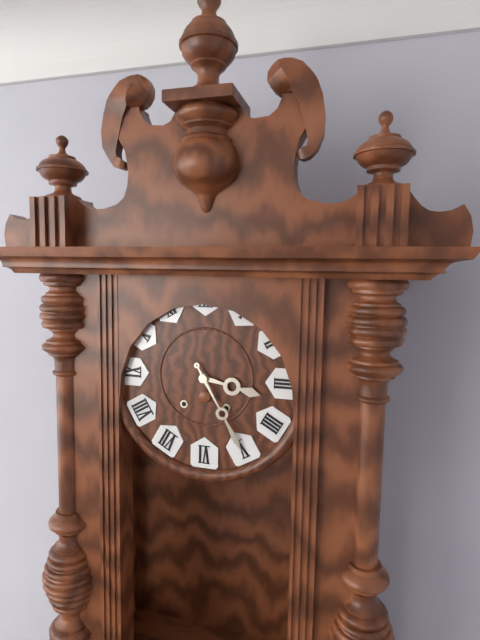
3:25
